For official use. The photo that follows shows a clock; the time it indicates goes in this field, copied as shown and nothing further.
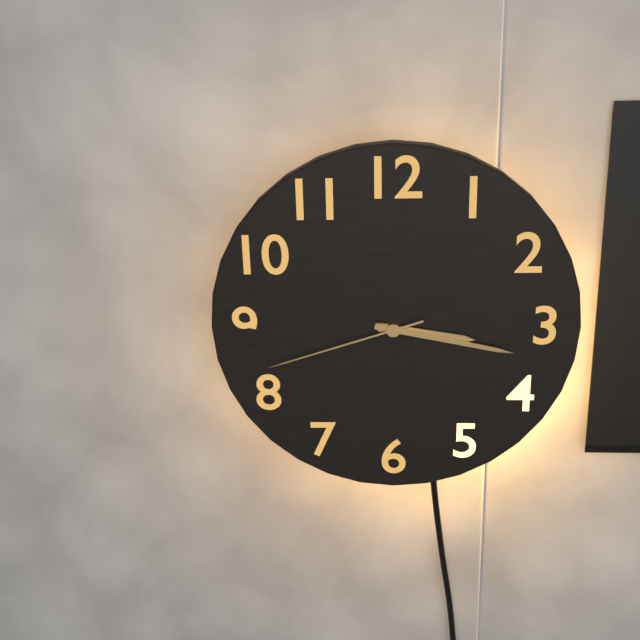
3:17:42
